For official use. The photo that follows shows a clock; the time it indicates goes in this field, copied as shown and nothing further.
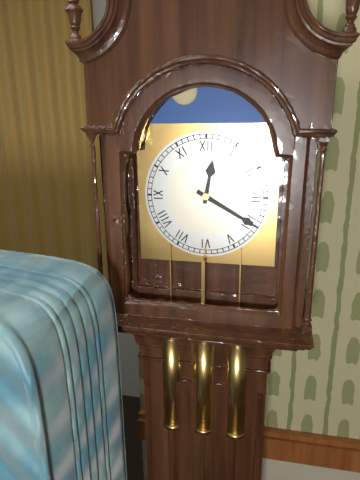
12:20
